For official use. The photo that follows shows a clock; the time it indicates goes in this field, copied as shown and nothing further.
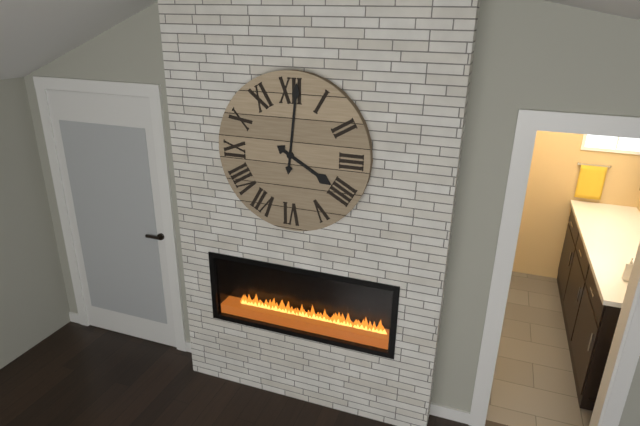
4:01
